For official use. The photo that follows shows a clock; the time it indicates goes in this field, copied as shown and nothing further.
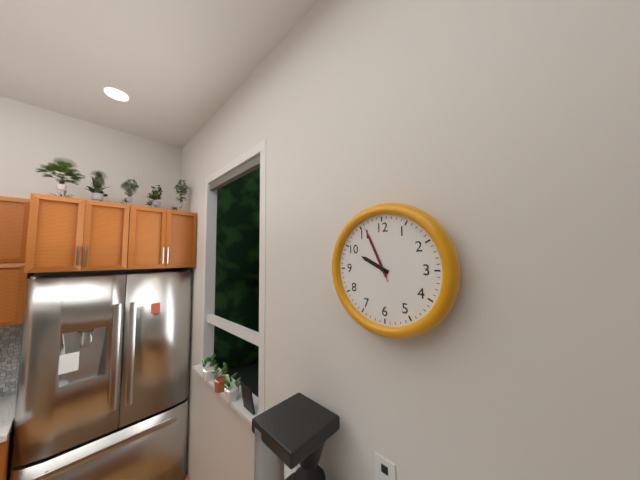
9:56:56
